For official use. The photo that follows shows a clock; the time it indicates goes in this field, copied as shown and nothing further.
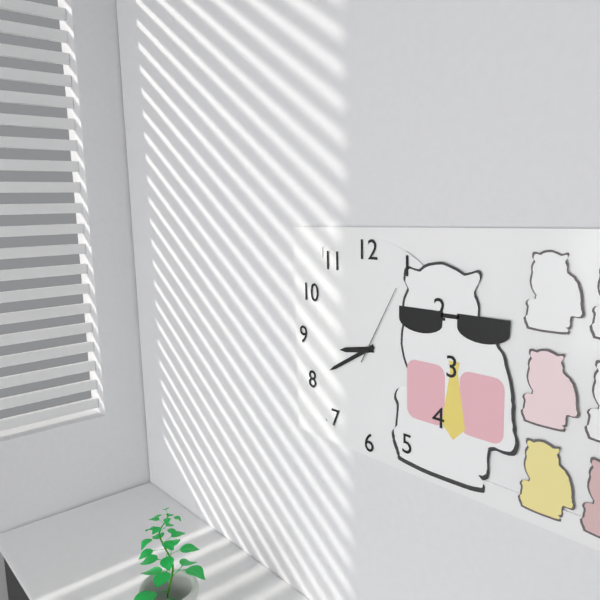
8:40:05
